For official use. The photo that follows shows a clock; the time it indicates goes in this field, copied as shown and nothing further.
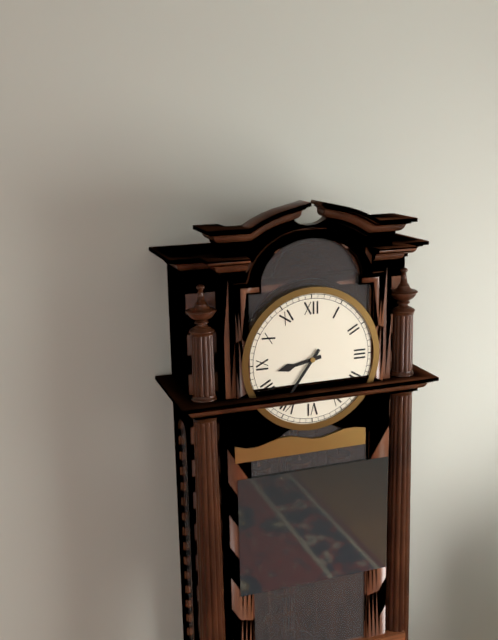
8:36
